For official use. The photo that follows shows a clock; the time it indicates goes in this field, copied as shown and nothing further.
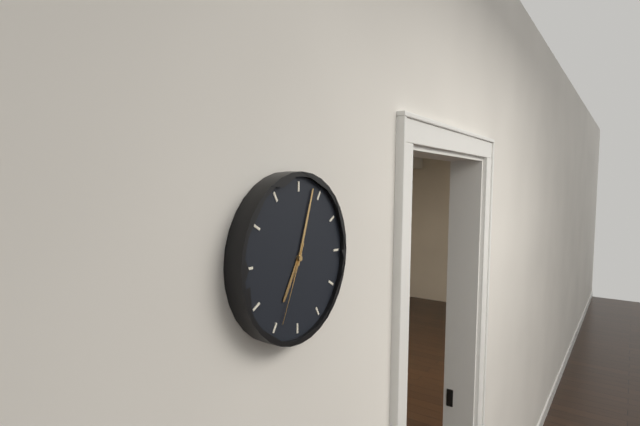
7:03:34
